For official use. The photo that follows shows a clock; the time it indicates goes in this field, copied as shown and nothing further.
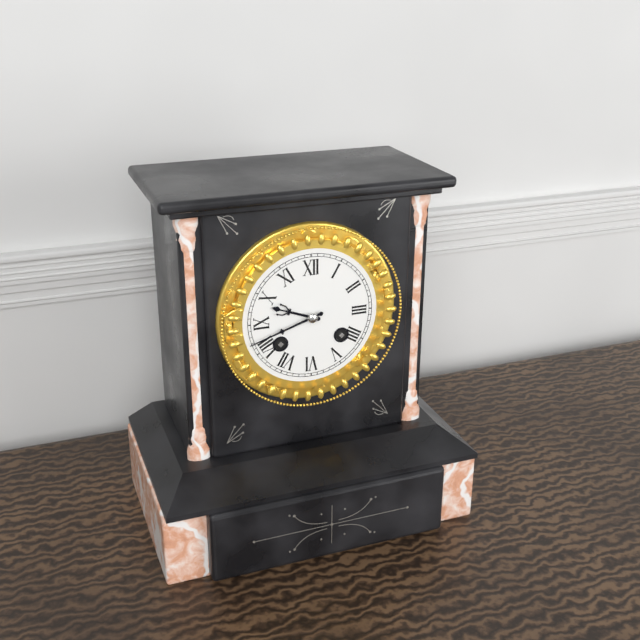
9:42
